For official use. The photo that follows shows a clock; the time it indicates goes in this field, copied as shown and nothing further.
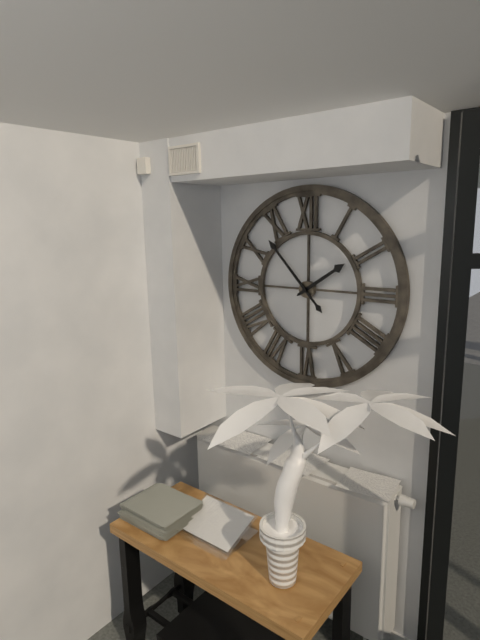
1:53
